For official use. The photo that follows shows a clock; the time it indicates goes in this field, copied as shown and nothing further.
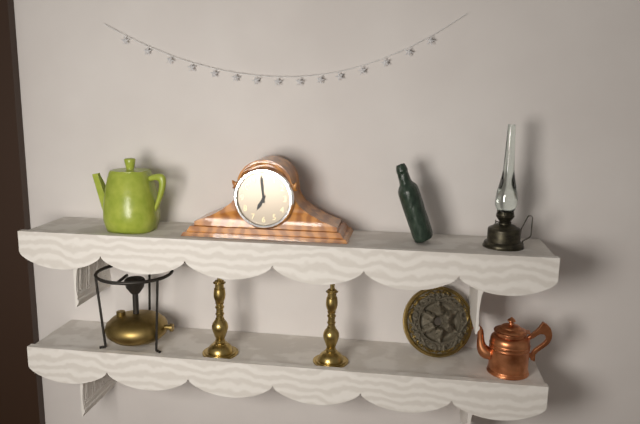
6:59
